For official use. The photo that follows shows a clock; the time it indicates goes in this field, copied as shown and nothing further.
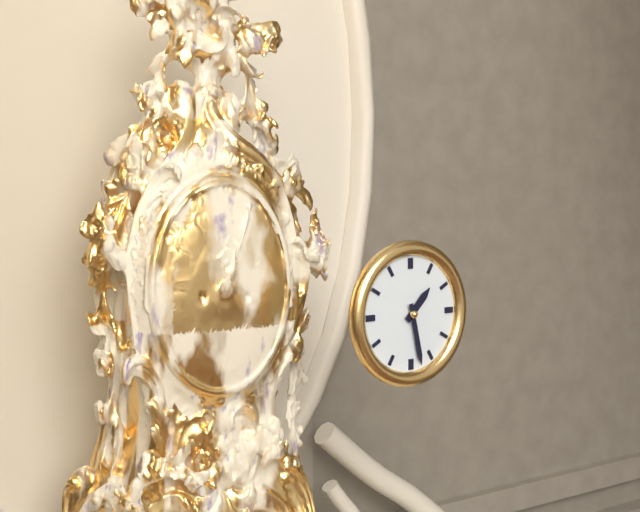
1:28
